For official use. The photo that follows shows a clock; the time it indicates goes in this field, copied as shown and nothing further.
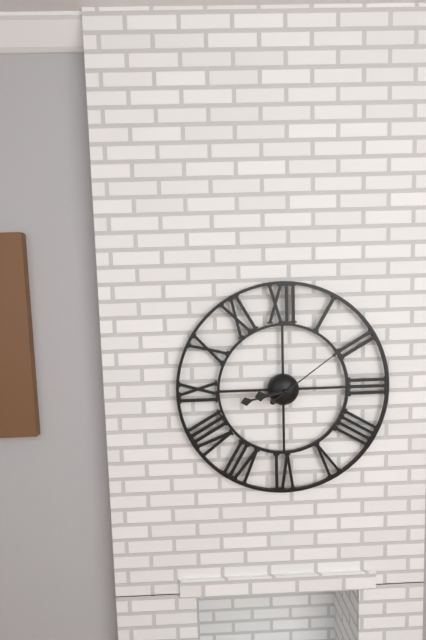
8:43:09
